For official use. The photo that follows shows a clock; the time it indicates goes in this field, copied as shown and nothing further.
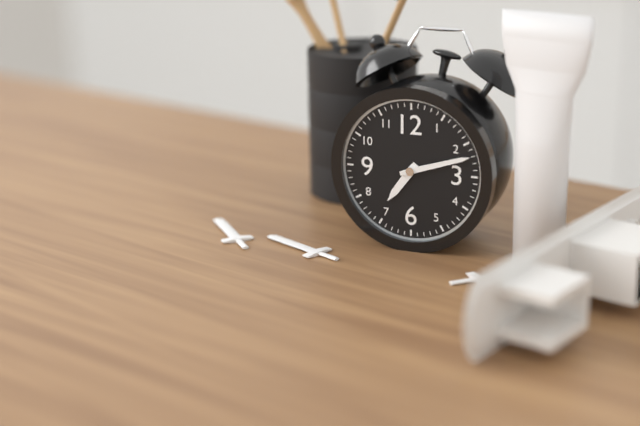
7:12
